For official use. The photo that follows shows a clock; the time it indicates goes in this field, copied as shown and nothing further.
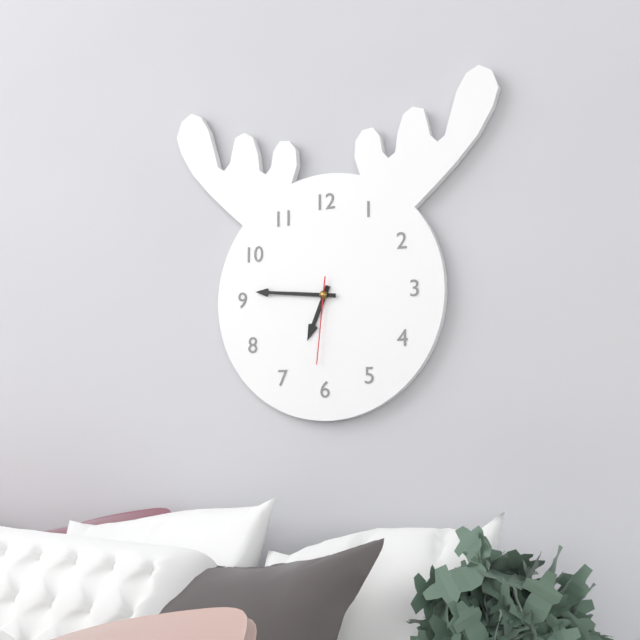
6:46:31
